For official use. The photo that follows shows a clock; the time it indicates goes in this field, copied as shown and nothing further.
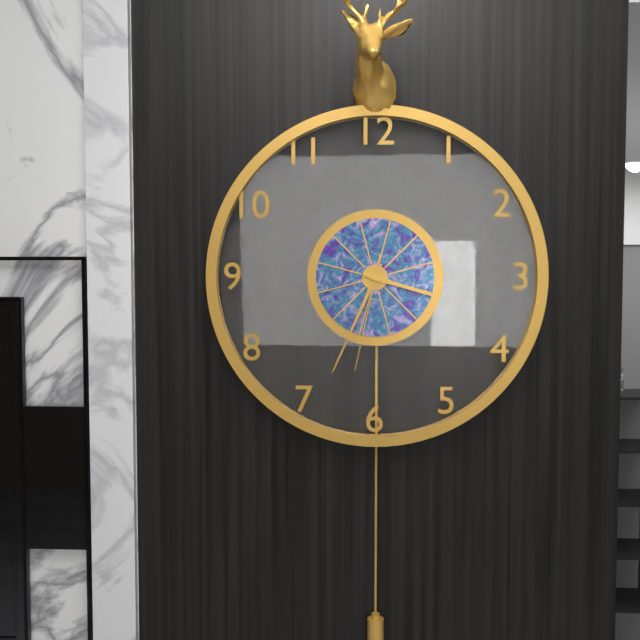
3:34:32
